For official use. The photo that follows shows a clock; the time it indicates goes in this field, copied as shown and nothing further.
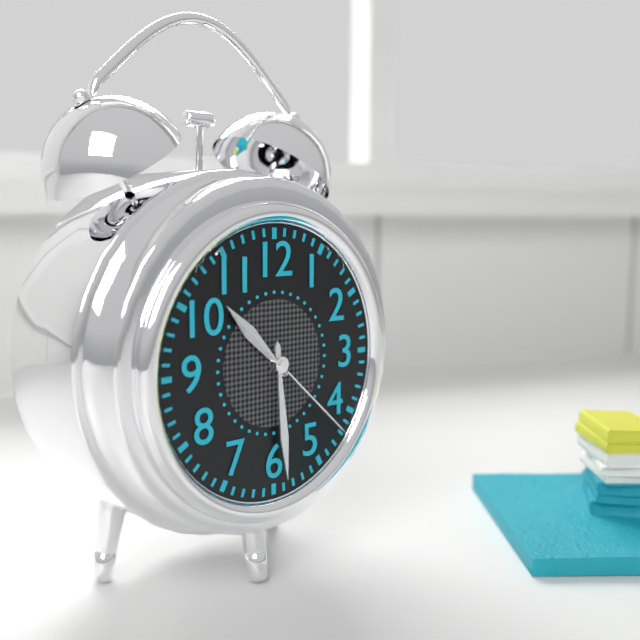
10:29:22
